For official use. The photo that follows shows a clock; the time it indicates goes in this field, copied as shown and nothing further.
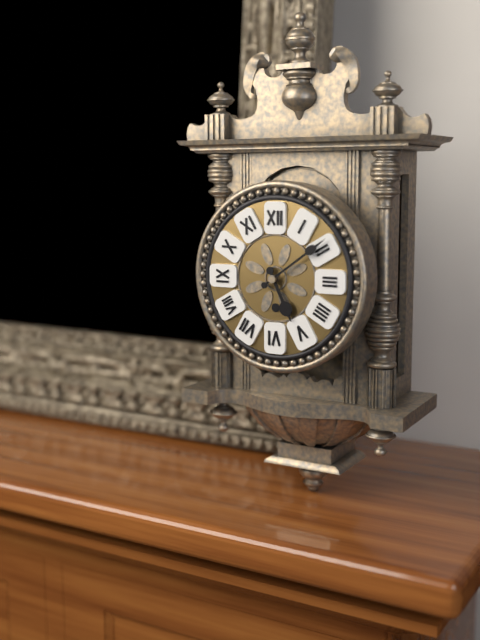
5:09
